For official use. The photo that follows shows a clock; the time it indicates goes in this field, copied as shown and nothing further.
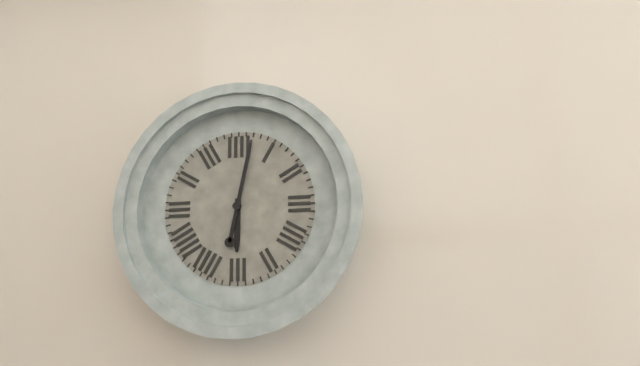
6:02
